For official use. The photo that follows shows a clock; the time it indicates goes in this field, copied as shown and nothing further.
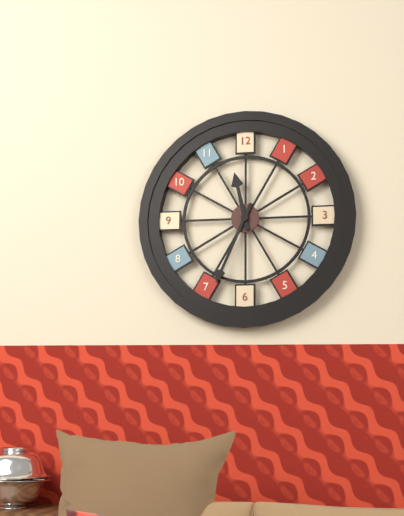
11:34
